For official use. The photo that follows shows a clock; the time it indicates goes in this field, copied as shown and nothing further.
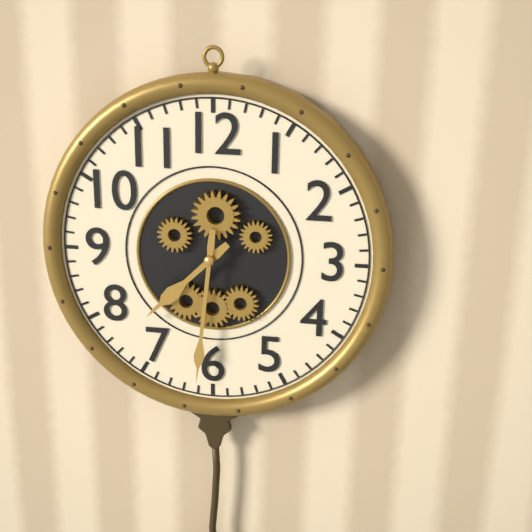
7:31
